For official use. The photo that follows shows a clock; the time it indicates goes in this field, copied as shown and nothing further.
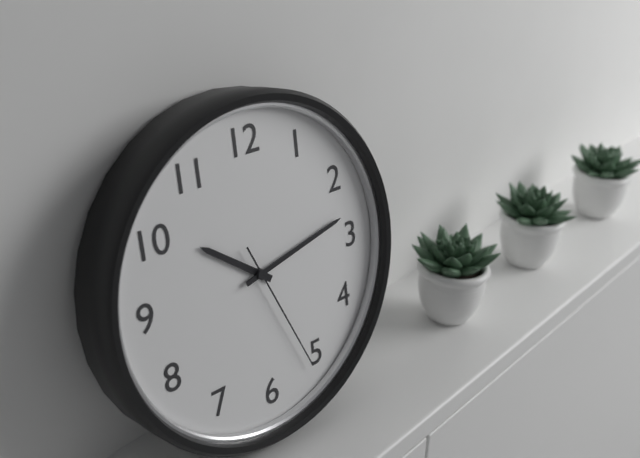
10:13:26
